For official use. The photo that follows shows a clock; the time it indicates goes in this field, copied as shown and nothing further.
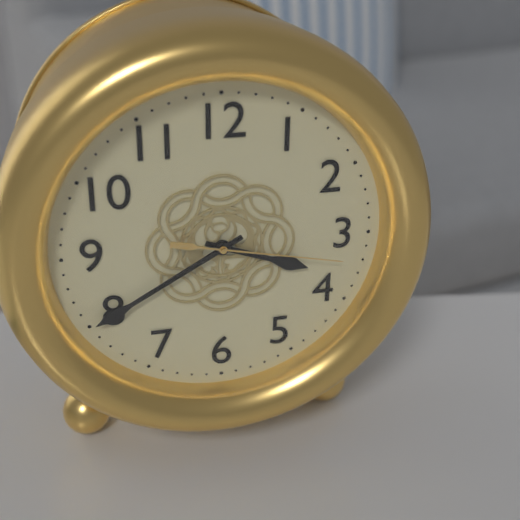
3:40:17
